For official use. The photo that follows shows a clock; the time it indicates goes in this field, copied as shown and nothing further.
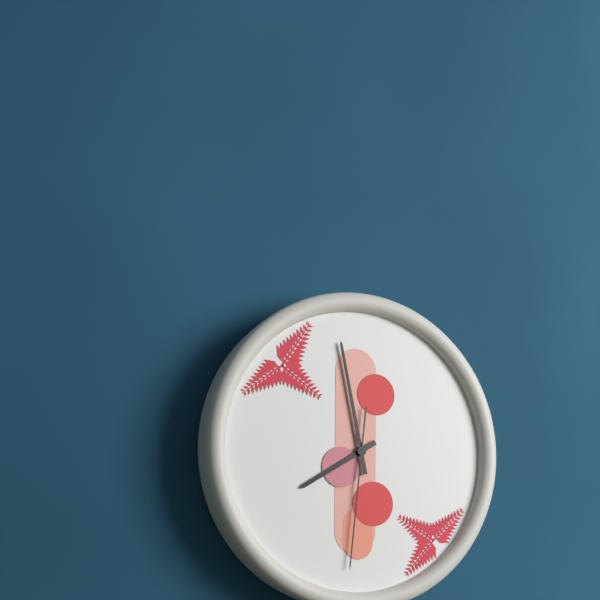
7:58:31
